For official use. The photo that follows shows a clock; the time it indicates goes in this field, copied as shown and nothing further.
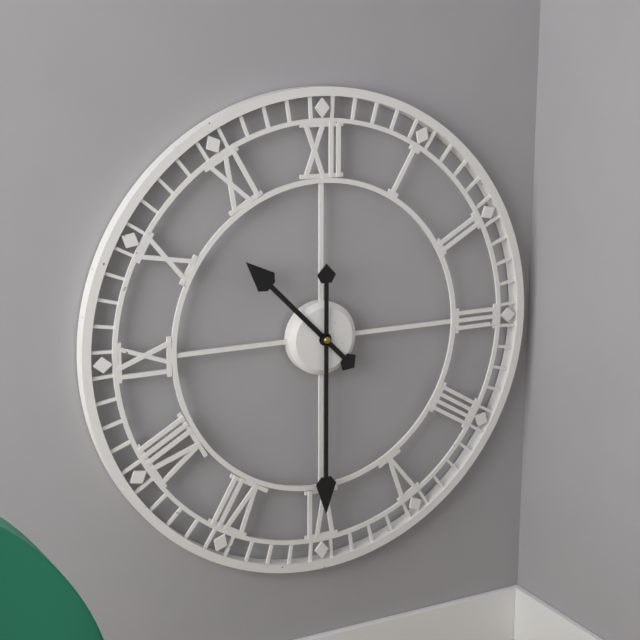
10:30
